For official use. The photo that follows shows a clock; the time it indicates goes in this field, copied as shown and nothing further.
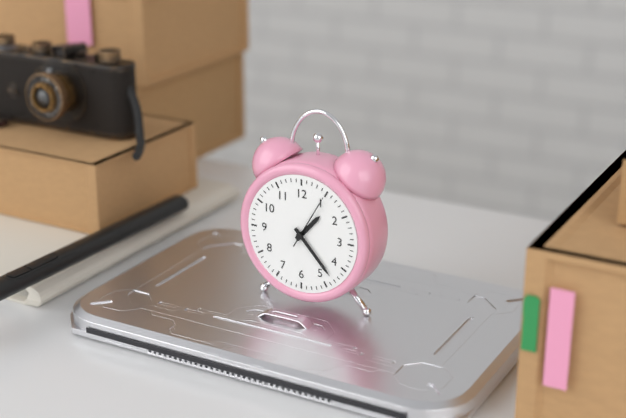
1:23:05
